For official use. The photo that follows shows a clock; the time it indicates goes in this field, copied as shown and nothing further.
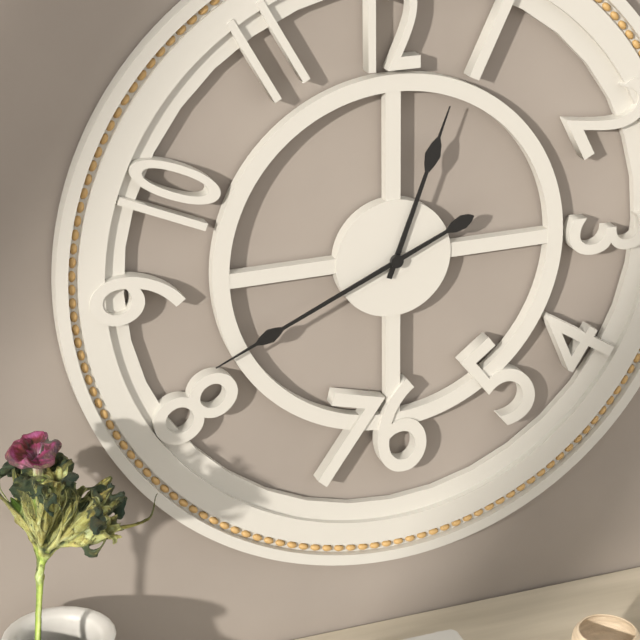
12:41
